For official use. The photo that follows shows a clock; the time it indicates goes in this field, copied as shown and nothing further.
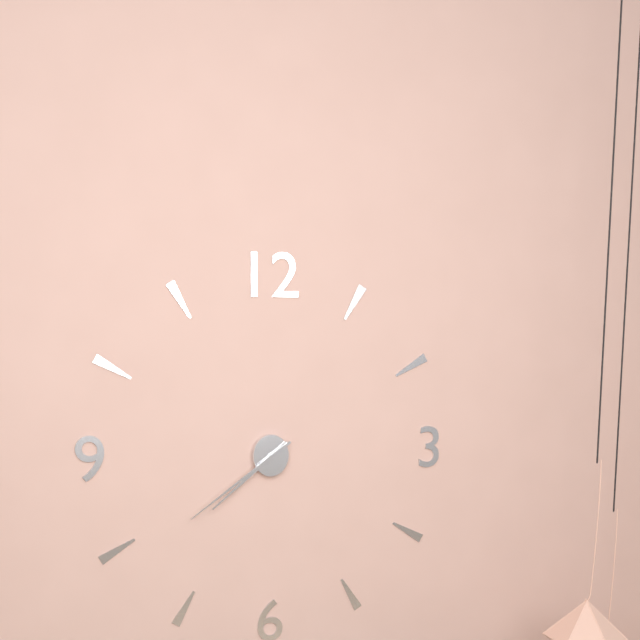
7:39
